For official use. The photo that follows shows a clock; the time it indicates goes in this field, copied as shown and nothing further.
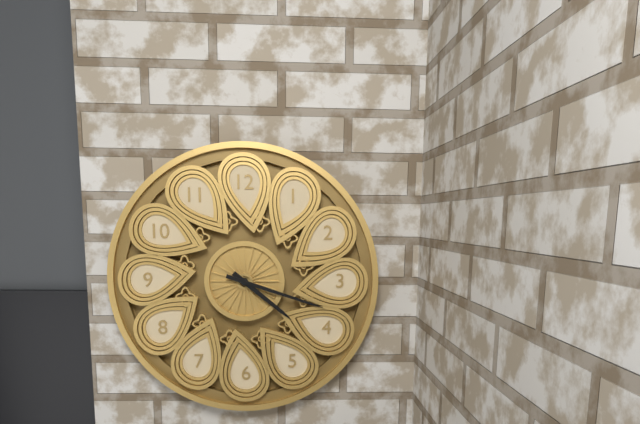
4:18
